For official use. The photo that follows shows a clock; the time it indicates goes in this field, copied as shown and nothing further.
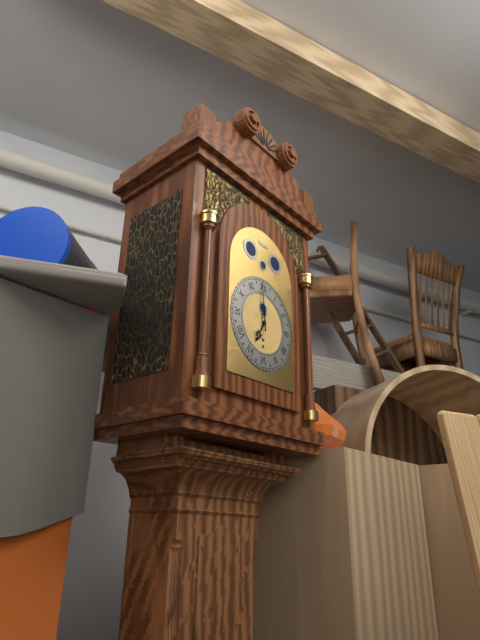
6:59
